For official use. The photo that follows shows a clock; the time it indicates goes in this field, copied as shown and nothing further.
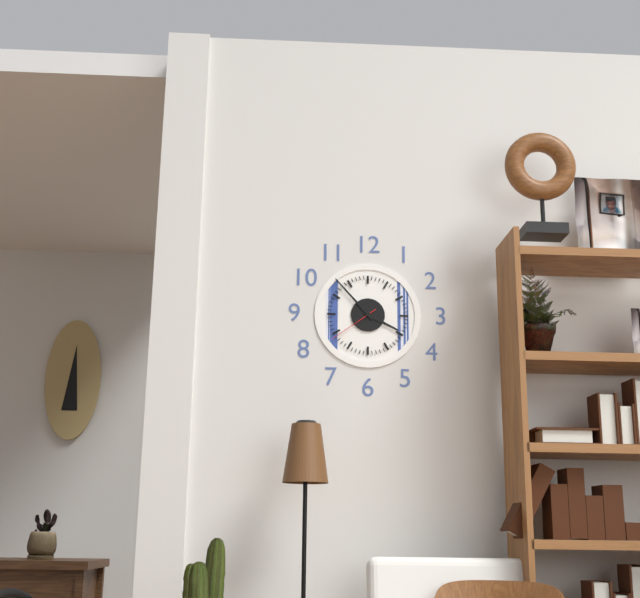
3:53:39
